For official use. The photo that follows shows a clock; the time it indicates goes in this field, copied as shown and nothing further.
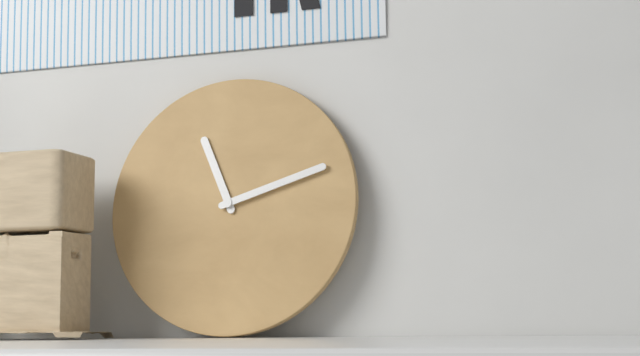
11:12
